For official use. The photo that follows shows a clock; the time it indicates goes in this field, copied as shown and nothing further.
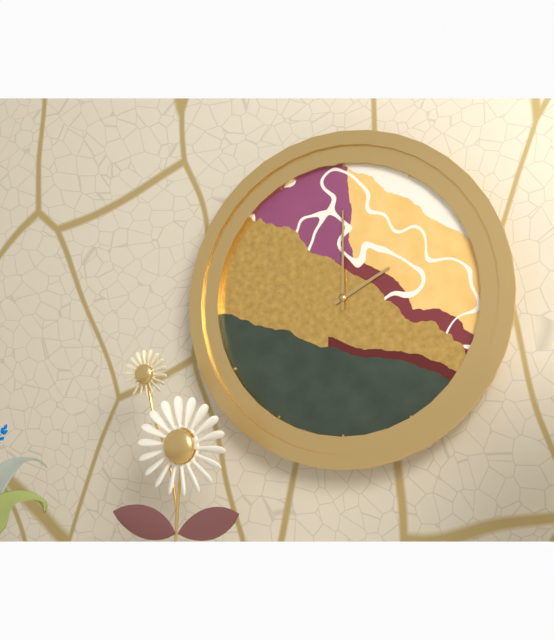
2:00
